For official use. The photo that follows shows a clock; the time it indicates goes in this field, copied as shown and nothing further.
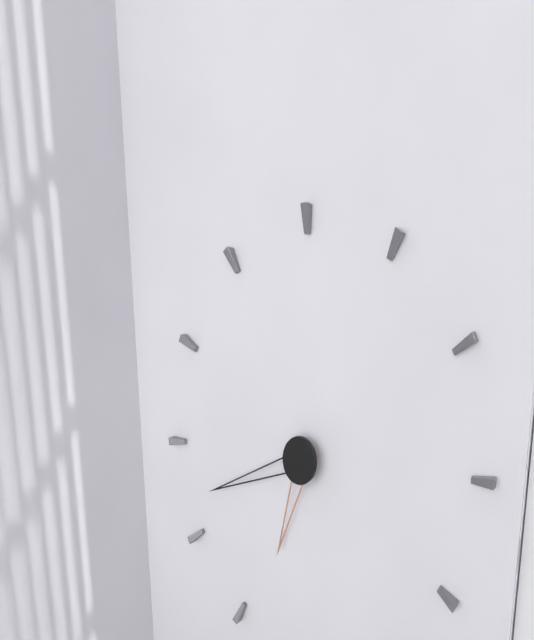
6:42
